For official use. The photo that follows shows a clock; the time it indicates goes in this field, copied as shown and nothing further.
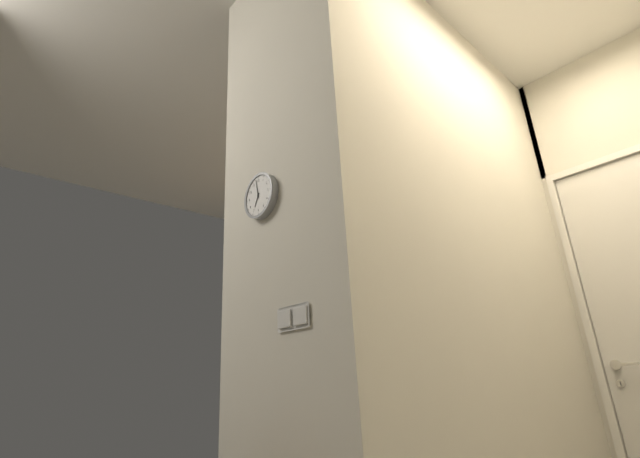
6:58
